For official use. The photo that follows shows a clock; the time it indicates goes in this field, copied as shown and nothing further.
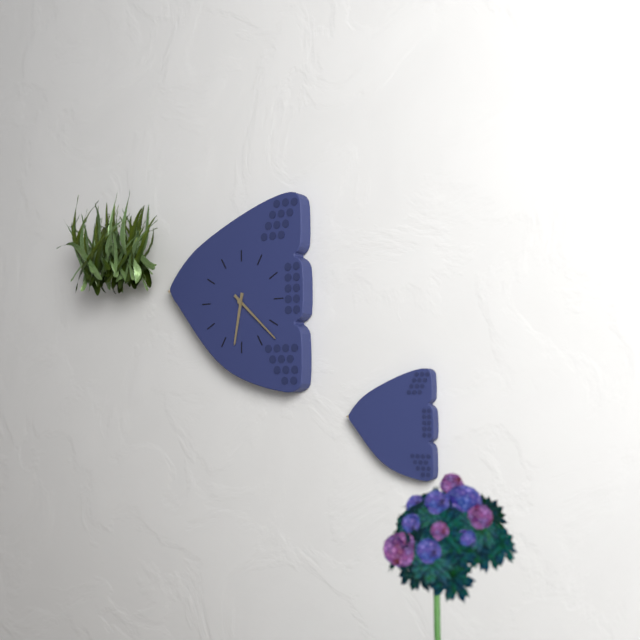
6:22
